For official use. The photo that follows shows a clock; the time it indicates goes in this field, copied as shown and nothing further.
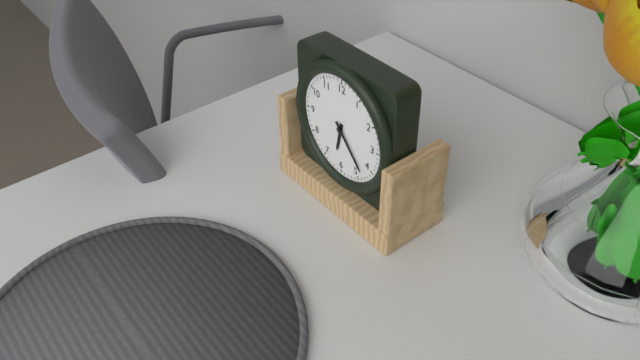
6:23
